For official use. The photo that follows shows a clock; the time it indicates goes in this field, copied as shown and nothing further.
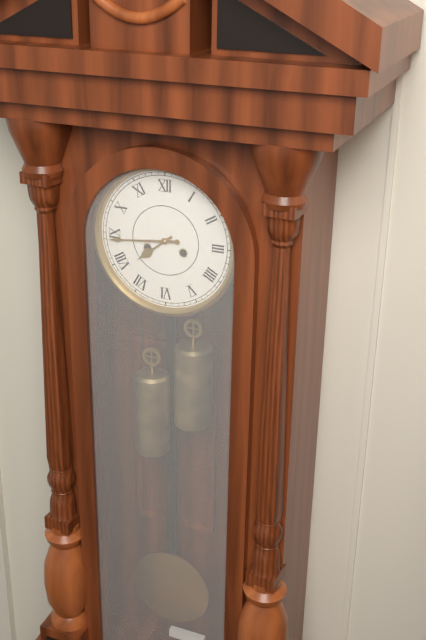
7:44
